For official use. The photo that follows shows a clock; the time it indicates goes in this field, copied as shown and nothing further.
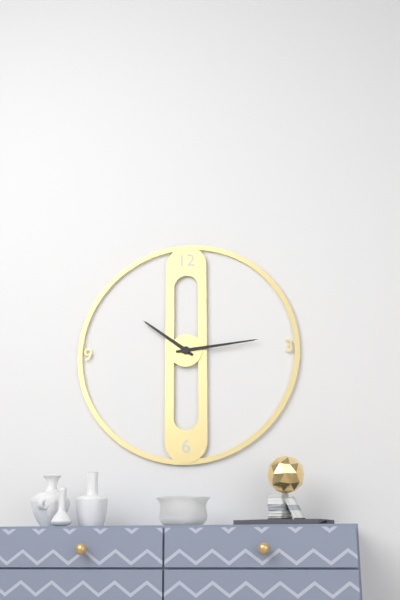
10:14
